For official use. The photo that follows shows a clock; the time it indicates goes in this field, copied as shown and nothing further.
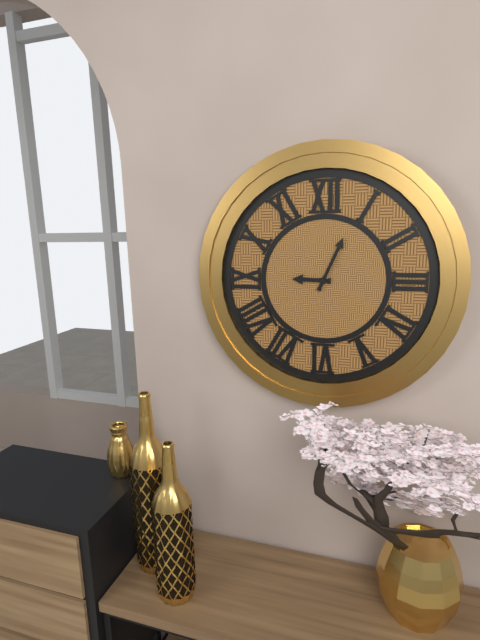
9:04
